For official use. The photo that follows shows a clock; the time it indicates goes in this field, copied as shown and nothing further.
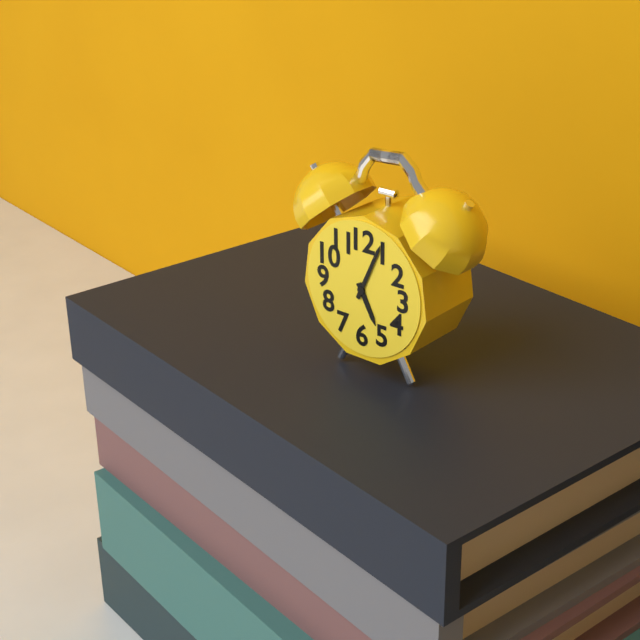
5:04
